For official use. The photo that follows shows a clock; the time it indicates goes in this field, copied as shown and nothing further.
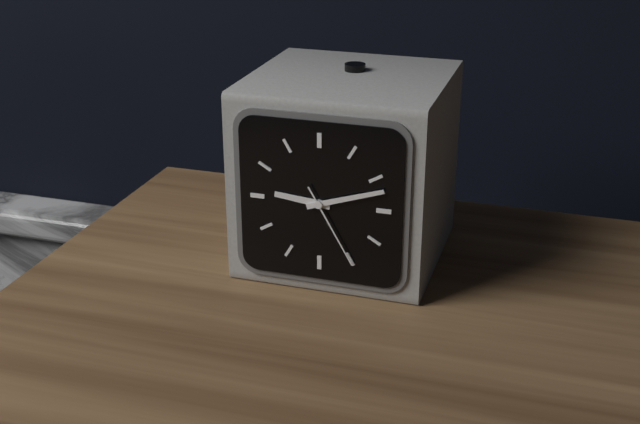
9:12:25
